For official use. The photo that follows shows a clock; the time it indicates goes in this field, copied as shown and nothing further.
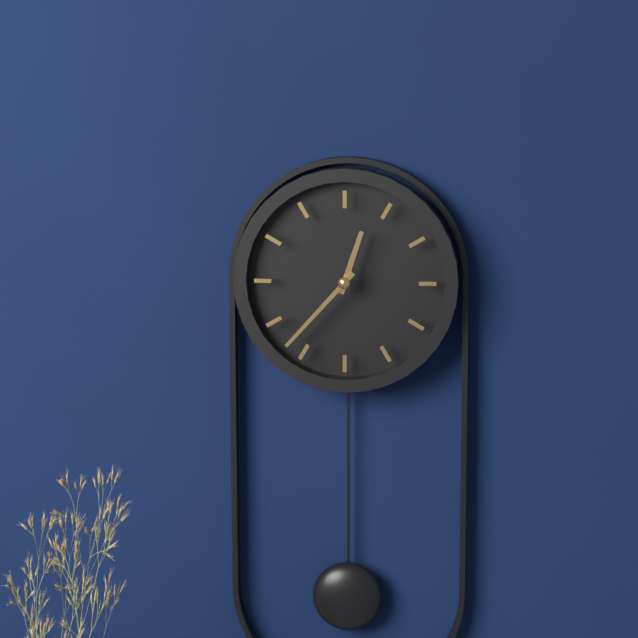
12:37
